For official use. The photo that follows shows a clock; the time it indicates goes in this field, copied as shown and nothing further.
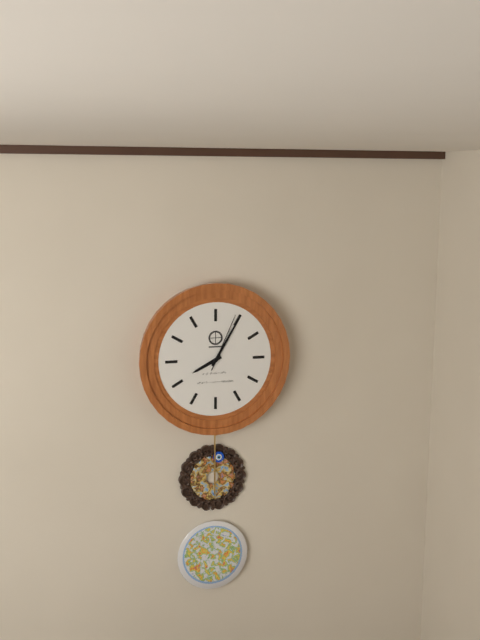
8:05:04
